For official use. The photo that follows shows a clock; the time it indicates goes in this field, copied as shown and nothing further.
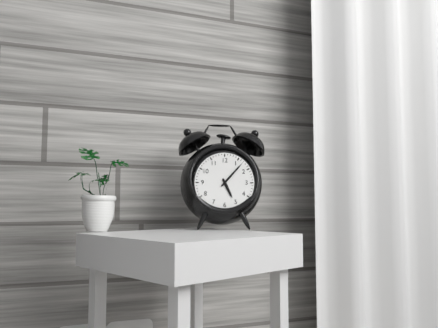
5:07
